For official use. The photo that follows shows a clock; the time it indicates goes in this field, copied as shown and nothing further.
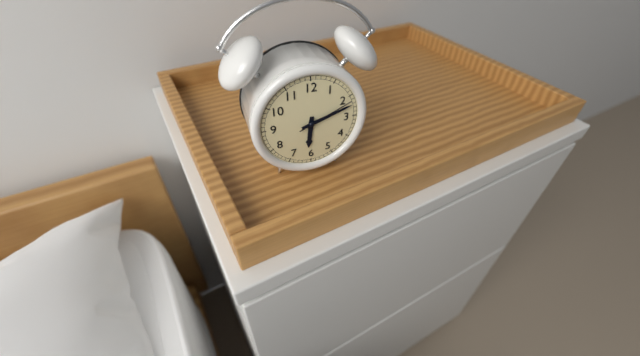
6:12:11
